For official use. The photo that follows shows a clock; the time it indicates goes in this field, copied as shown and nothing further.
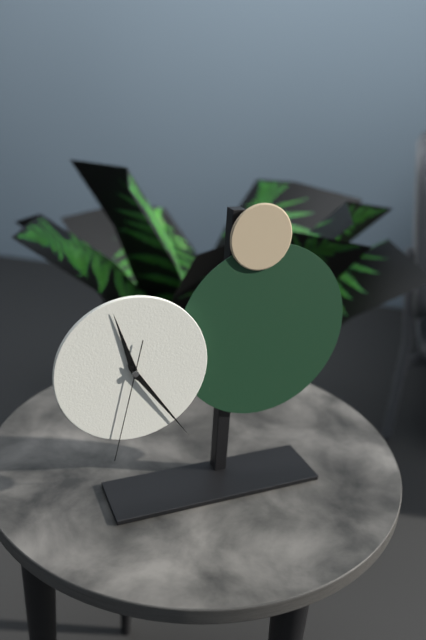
11:24:32
